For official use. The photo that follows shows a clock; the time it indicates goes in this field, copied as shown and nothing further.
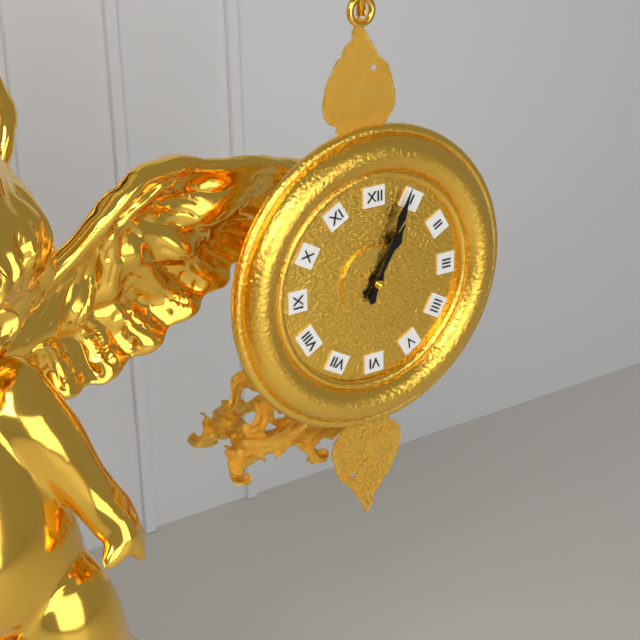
1:04
